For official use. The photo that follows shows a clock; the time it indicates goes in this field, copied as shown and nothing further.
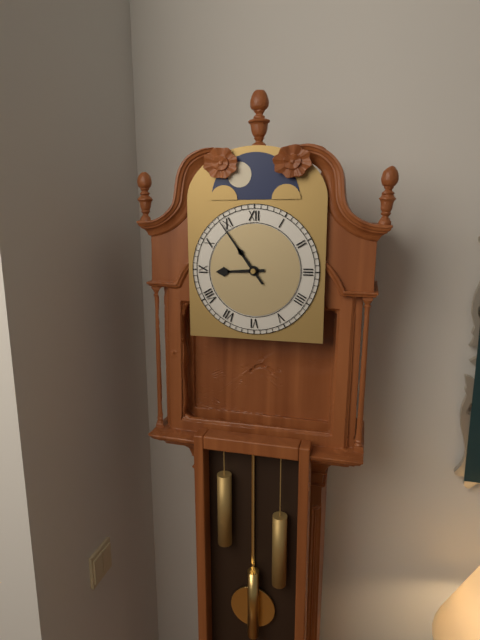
8:54
